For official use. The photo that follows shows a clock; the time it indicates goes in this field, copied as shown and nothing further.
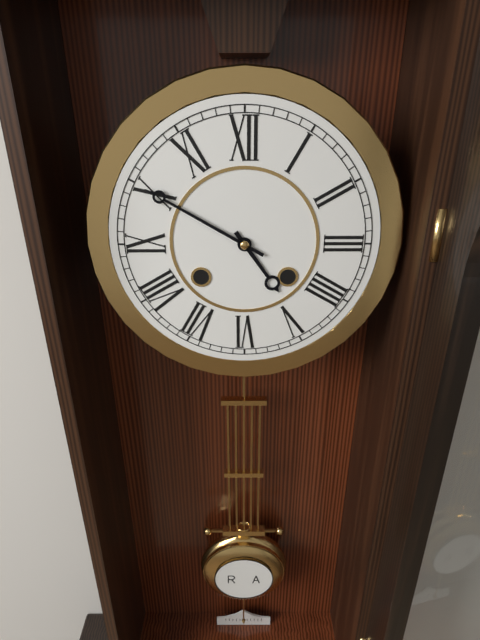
4:50
